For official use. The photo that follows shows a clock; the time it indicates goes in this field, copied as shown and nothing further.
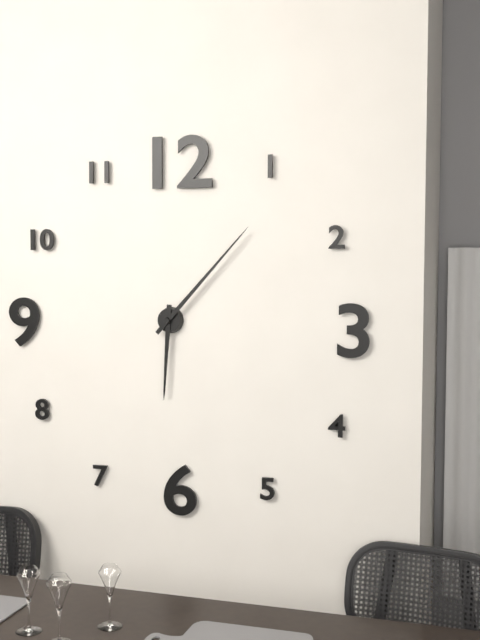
6:07
